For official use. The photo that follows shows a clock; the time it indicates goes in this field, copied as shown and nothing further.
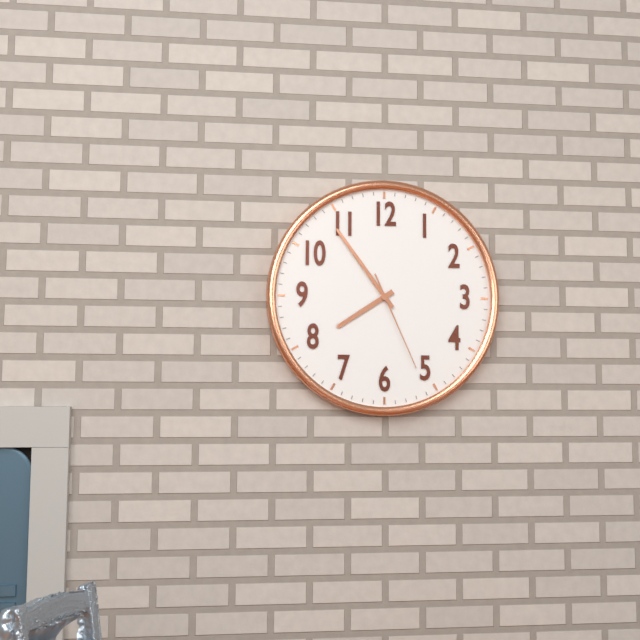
7:54:26
